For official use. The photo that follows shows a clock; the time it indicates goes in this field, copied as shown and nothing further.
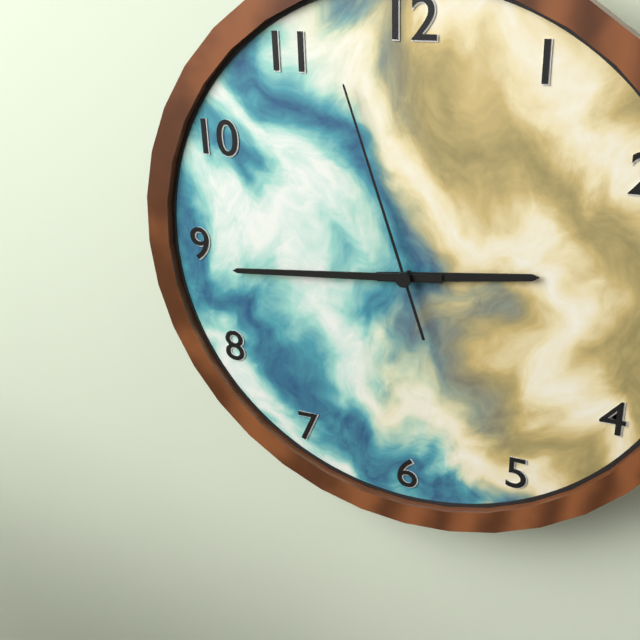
2:44:57
